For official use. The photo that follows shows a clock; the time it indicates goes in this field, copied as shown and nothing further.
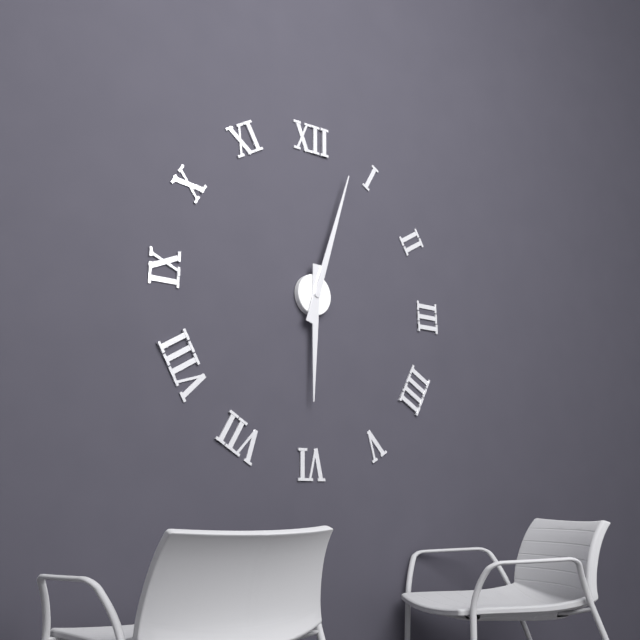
6:03
